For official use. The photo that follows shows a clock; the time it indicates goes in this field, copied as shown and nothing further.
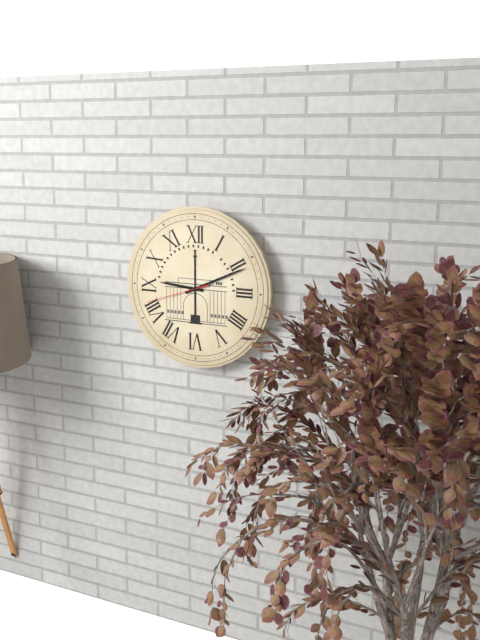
9:11:42
